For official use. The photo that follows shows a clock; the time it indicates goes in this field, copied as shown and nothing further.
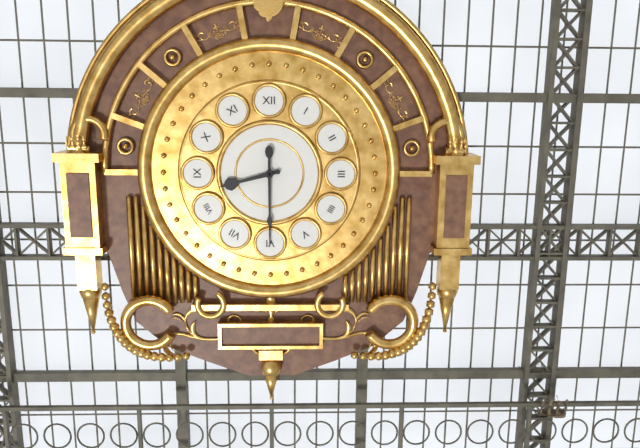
8:30
